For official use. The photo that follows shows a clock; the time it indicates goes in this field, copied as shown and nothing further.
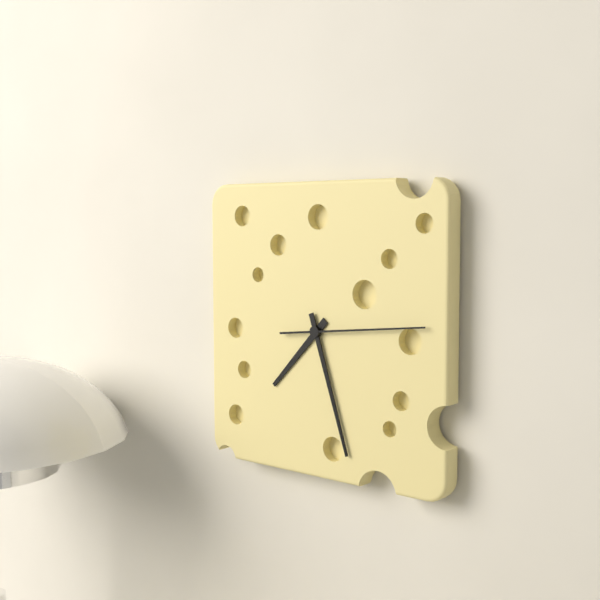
7:27:14
